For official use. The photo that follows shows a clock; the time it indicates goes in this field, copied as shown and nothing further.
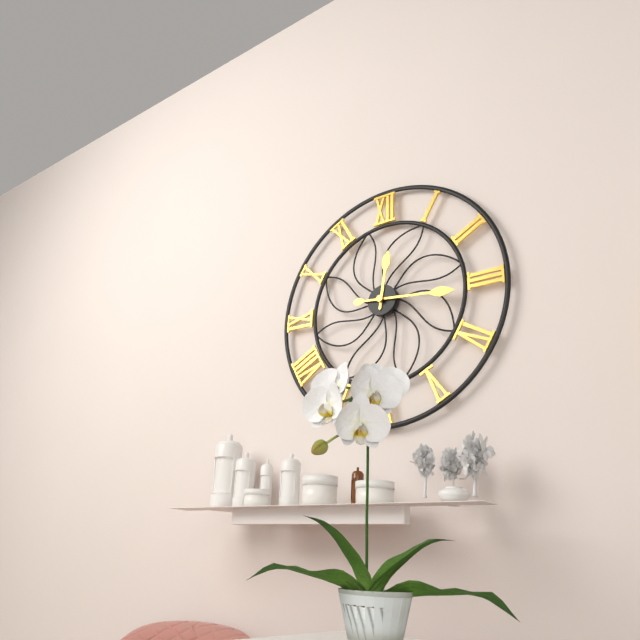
12:16
